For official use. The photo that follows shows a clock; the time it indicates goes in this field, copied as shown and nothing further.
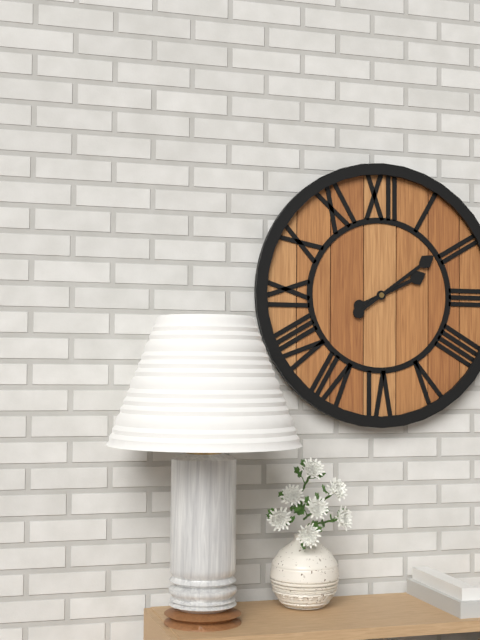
2:09
